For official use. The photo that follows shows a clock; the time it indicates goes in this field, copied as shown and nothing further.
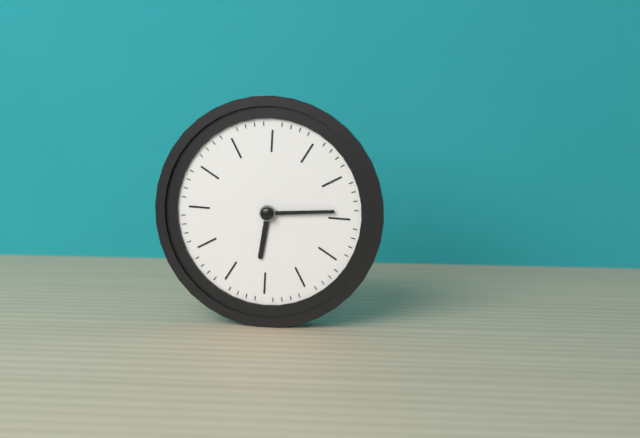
6:14
